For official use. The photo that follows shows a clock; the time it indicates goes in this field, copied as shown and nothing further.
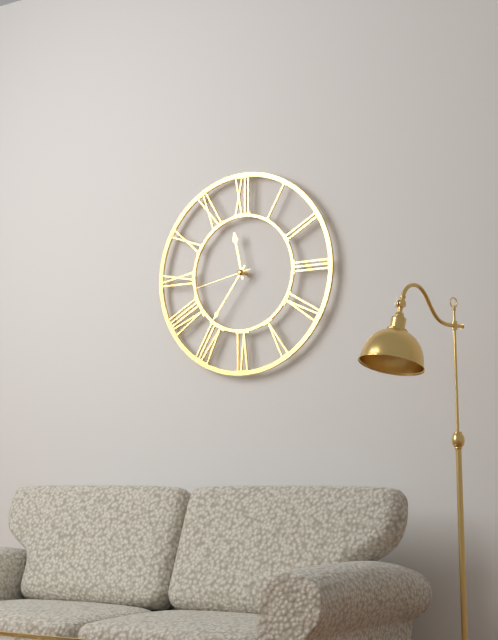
11:36:43
